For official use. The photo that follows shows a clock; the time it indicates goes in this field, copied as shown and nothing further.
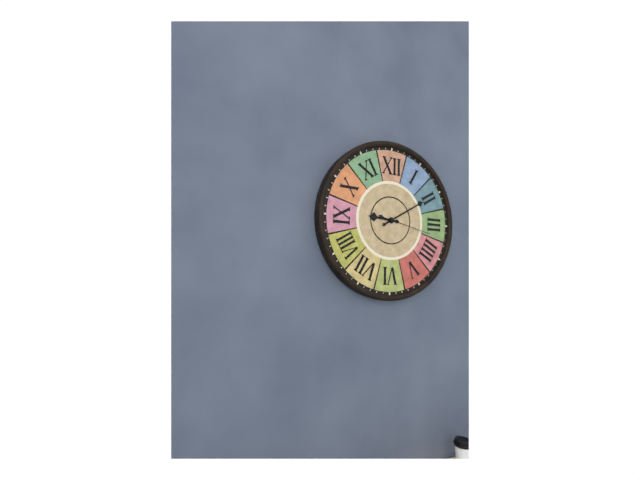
9:10:17
